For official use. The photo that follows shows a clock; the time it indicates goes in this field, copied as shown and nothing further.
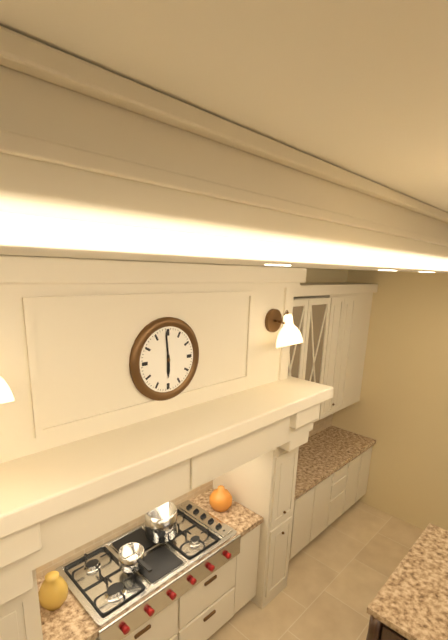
5:59
